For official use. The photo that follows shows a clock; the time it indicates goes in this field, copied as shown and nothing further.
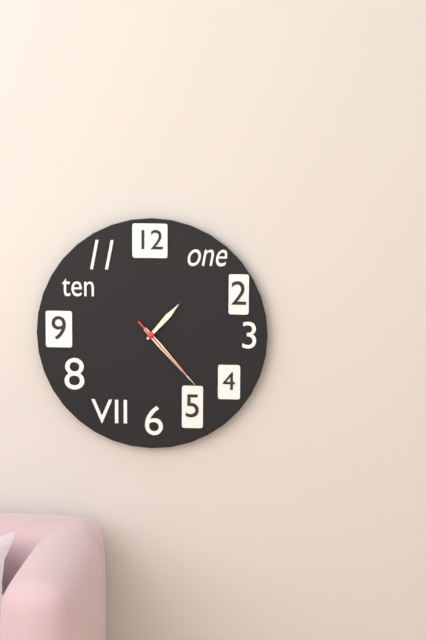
1:23:23
